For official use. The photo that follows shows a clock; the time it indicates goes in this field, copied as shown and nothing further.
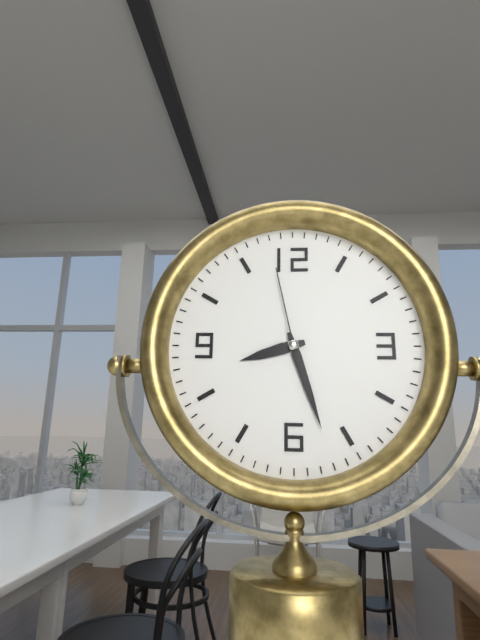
8:27:58
